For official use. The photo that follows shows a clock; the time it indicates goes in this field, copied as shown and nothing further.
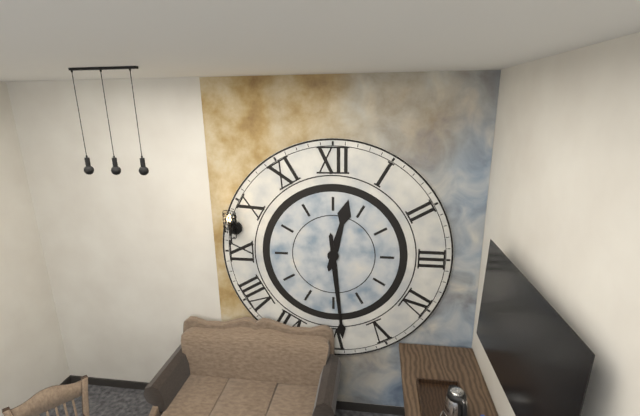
12:29
